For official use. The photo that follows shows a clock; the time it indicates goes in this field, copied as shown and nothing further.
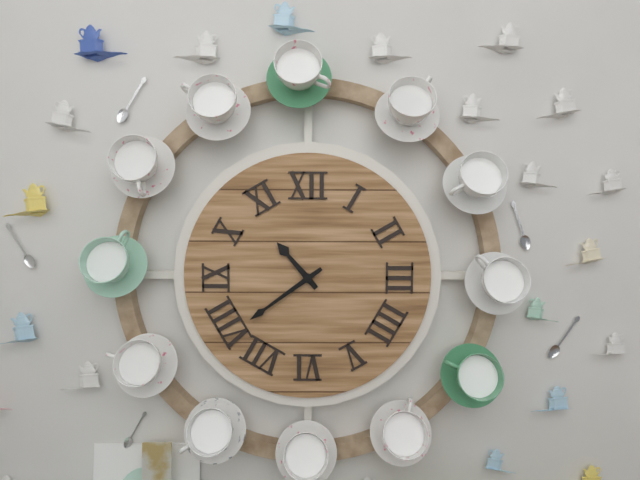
10:39
